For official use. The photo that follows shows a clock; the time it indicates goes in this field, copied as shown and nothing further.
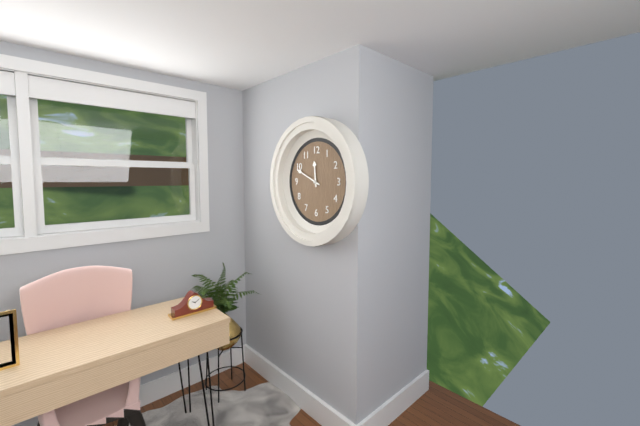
11:49
